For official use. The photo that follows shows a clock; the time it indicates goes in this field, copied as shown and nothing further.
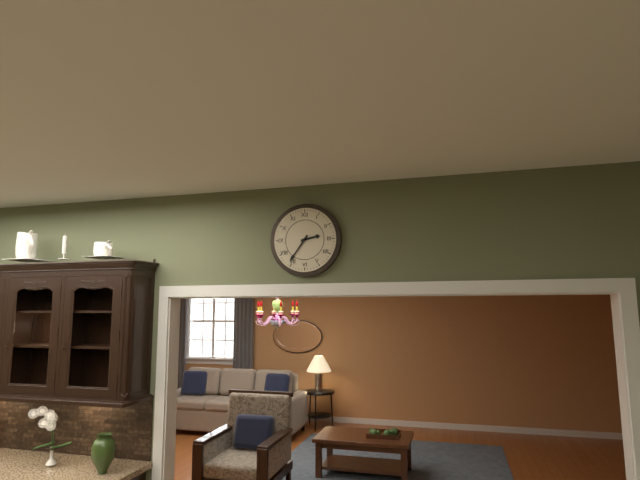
2:36
